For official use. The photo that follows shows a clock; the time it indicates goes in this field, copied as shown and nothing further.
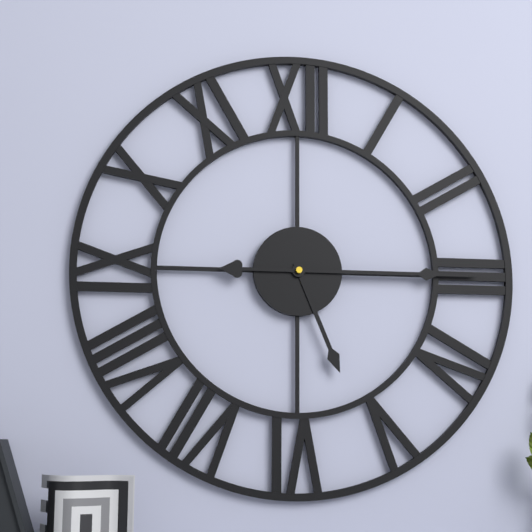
5:15
